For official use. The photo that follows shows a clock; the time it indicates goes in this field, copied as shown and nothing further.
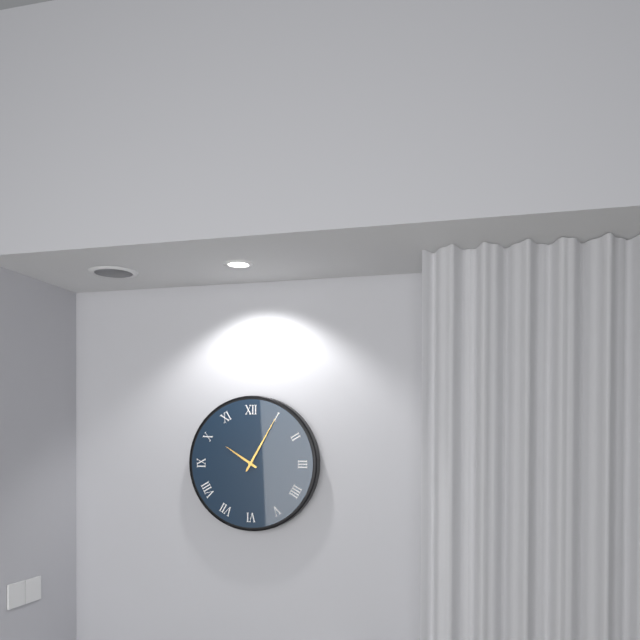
10:05
